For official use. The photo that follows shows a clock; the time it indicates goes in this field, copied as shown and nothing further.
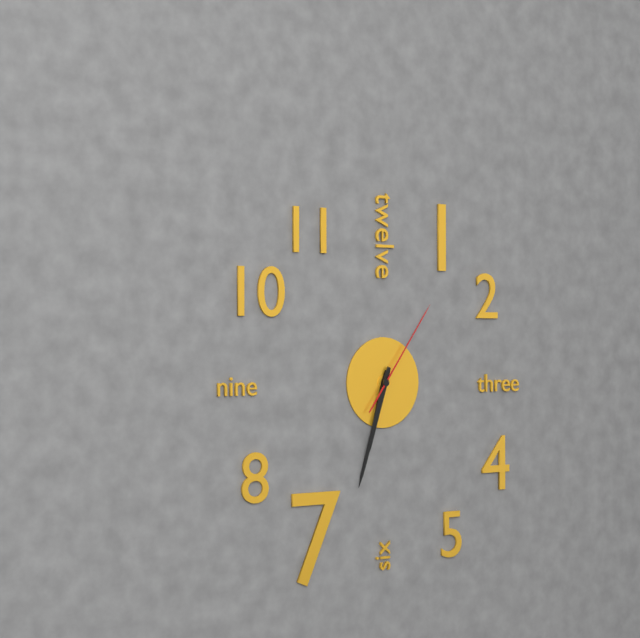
6:33:06
